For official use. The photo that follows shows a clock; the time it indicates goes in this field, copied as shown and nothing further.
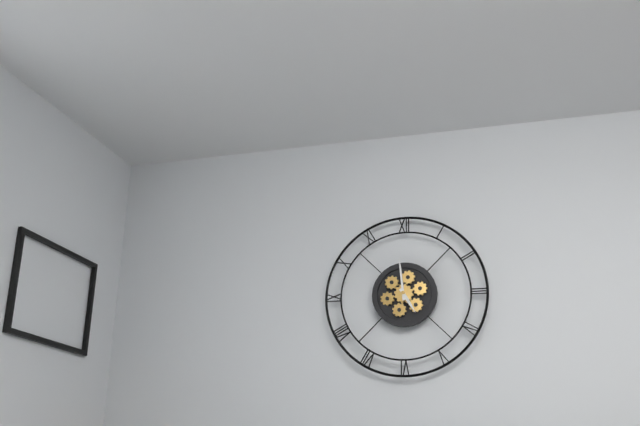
4:59
